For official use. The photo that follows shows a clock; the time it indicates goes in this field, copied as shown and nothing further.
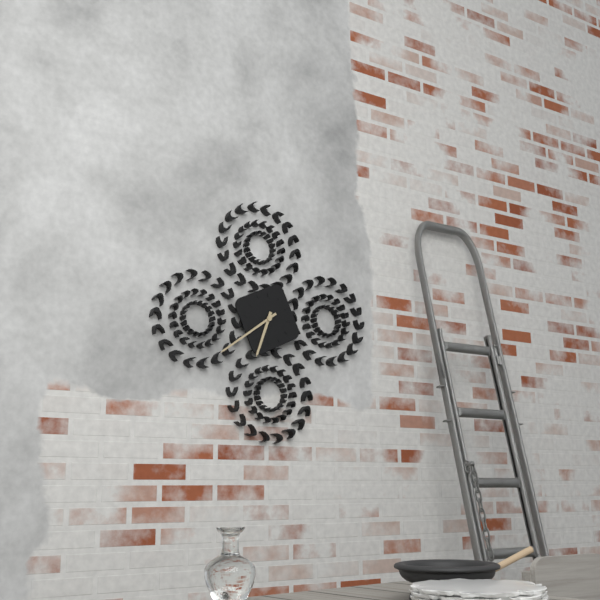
6:39
